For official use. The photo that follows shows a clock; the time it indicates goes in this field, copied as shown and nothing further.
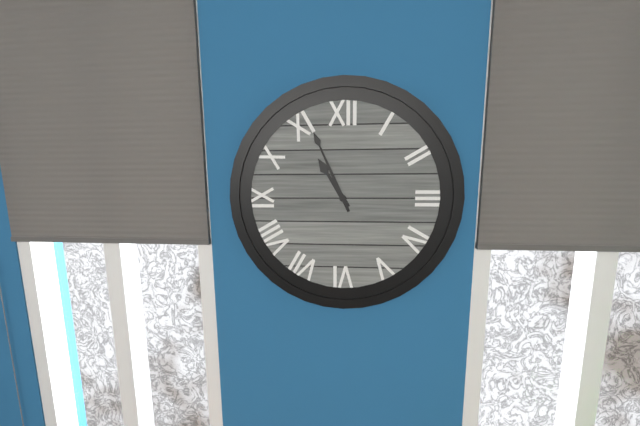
10:56
